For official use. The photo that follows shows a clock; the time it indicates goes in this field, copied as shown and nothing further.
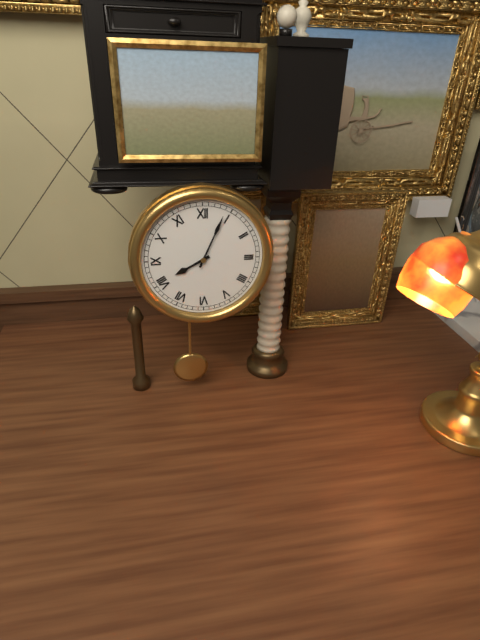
8:04
